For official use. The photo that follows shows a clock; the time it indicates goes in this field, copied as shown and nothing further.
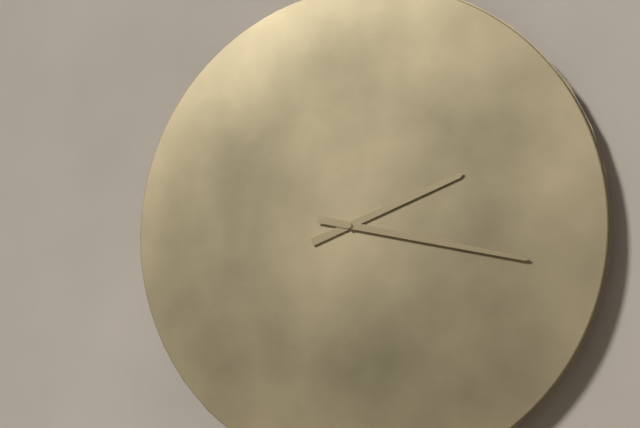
2:17
